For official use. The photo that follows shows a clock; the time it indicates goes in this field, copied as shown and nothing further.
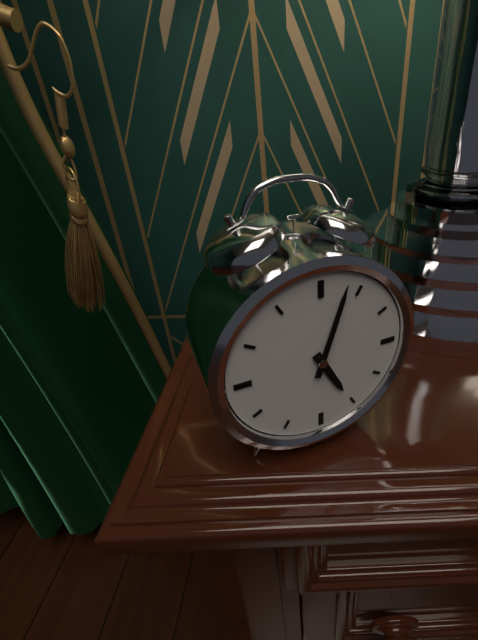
5:03
